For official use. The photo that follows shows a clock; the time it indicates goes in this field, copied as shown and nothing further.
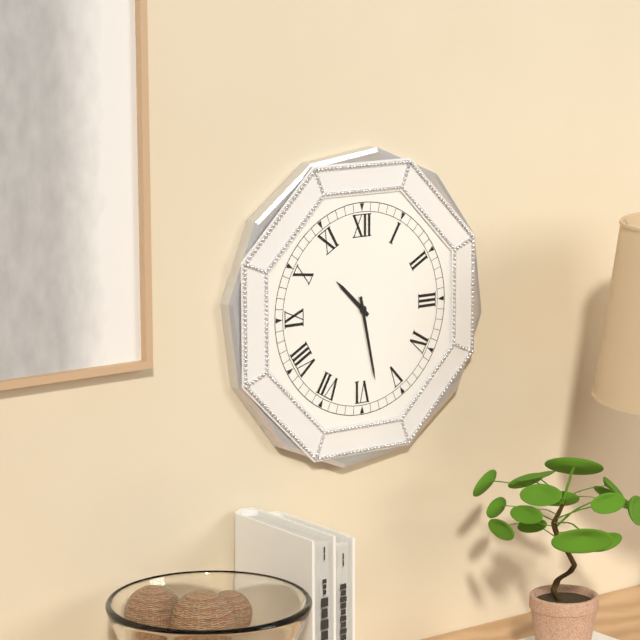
10:28
